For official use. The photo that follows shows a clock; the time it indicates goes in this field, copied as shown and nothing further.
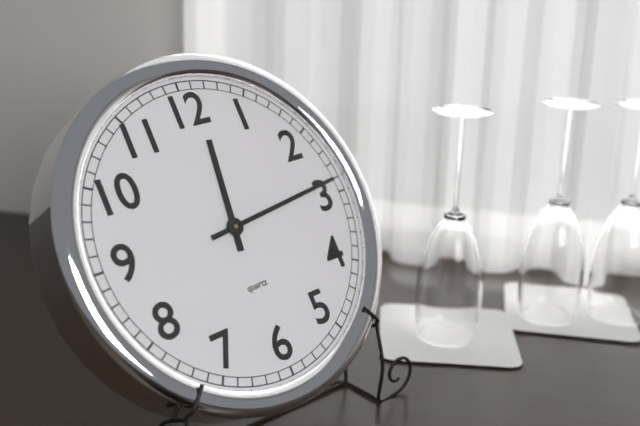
12:14
